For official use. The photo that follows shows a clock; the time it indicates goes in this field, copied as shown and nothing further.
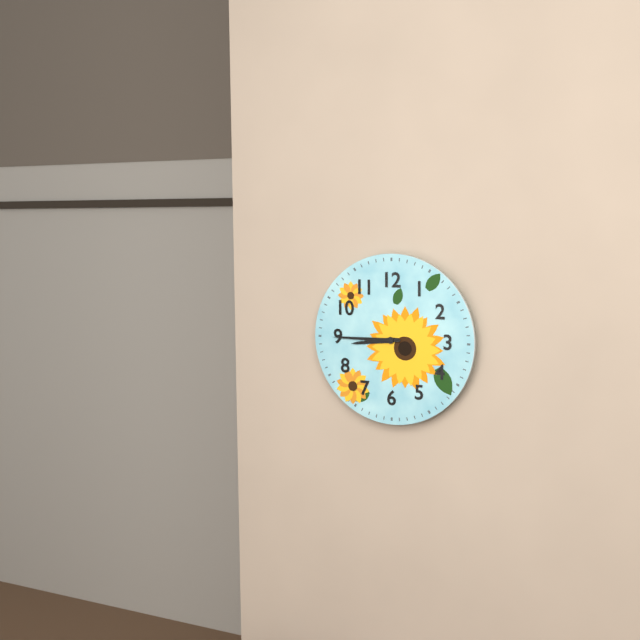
8:45
